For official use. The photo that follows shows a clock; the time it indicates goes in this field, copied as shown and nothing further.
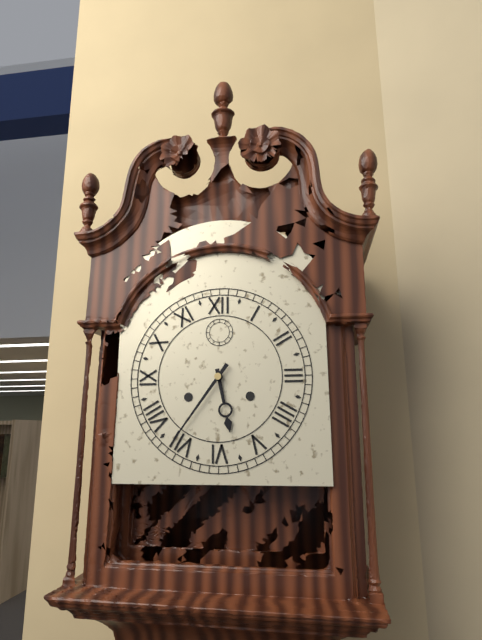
5:36
